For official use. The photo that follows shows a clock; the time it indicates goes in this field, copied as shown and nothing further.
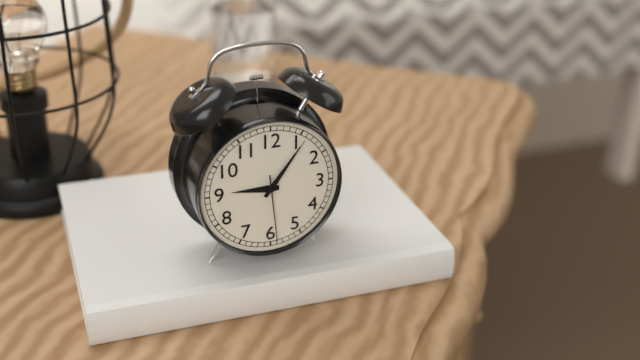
9:06:29
